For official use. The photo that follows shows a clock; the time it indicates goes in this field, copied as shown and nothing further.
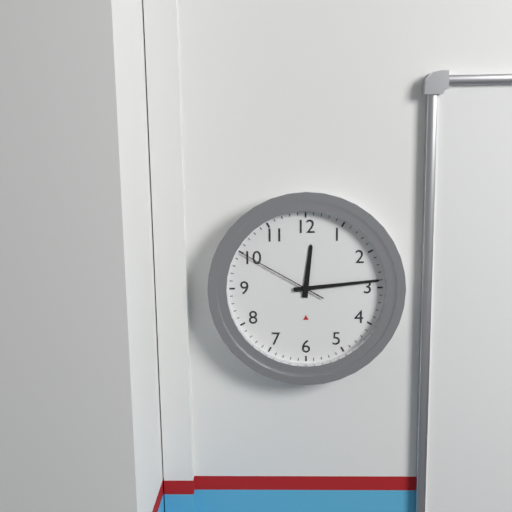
12:14:50
